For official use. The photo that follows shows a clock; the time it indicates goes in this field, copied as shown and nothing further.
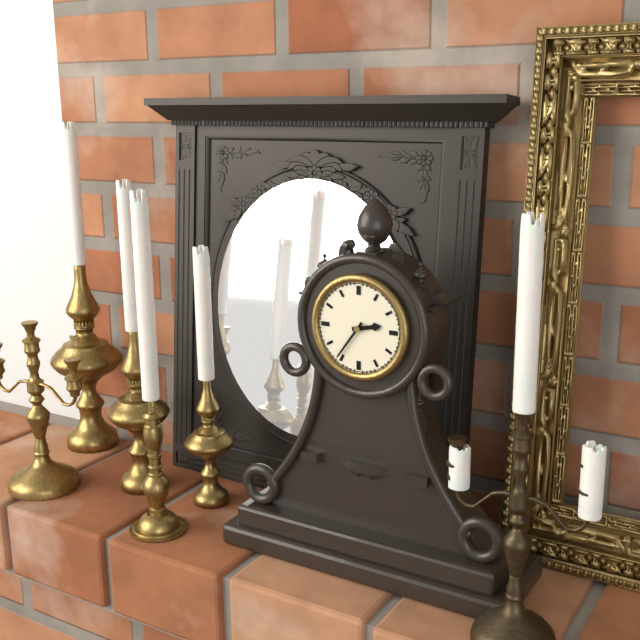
2:36
